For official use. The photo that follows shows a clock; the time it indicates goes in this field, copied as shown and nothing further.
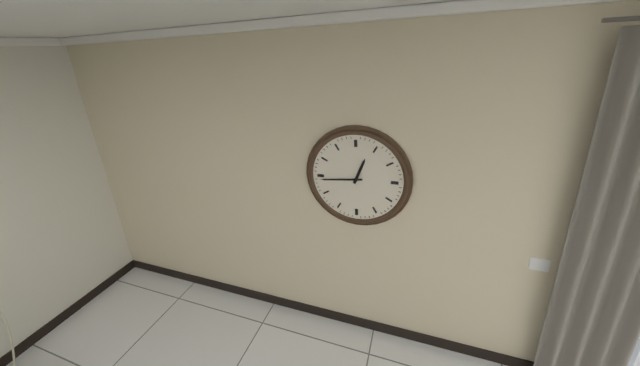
12:44
